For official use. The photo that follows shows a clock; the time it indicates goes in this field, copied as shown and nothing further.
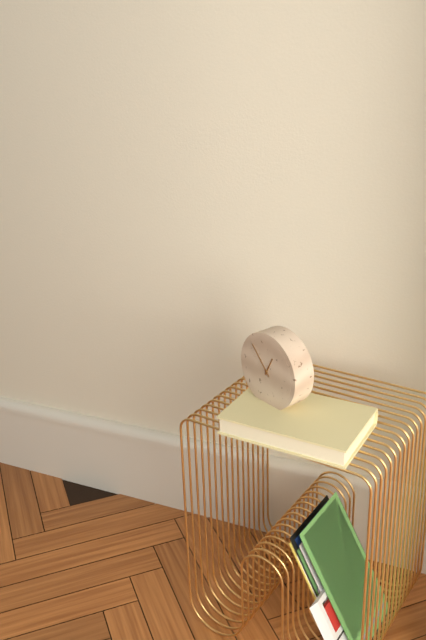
12:53
